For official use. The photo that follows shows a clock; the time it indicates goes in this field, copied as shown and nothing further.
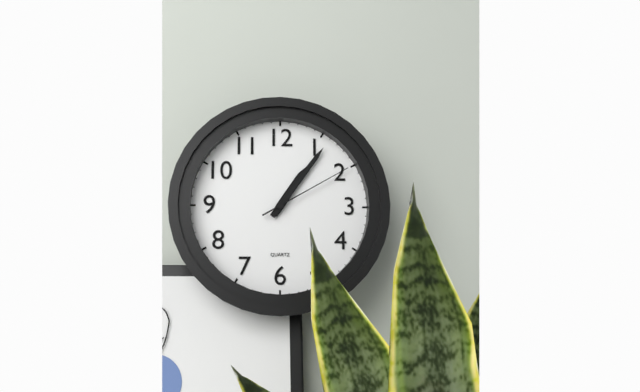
1:06:10
